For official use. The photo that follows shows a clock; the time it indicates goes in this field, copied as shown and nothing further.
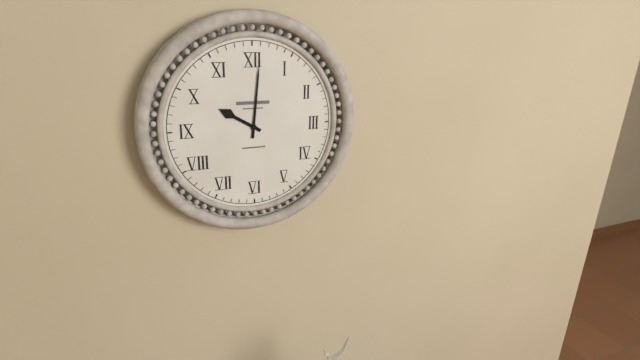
10:01
